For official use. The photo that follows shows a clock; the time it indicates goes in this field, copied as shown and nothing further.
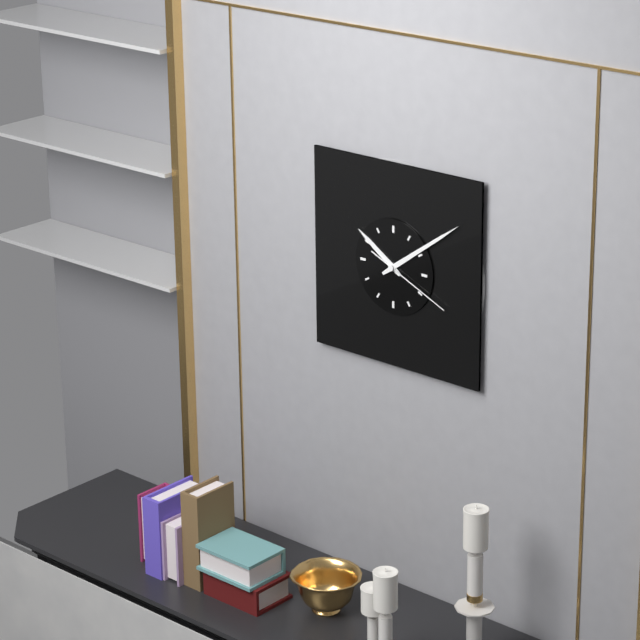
10:09:19
